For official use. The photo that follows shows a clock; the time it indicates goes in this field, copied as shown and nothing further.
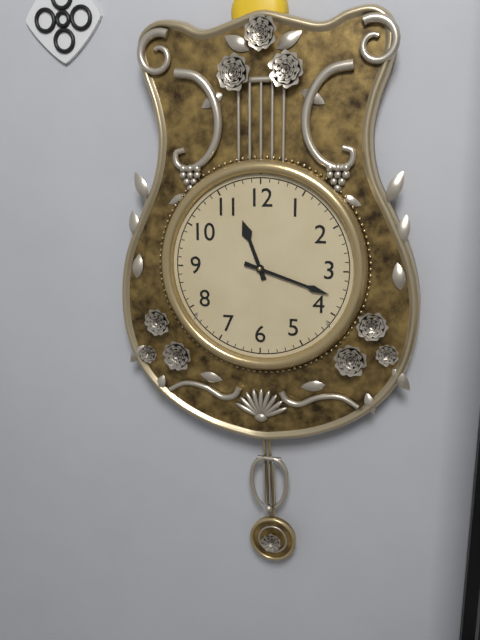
11:18
